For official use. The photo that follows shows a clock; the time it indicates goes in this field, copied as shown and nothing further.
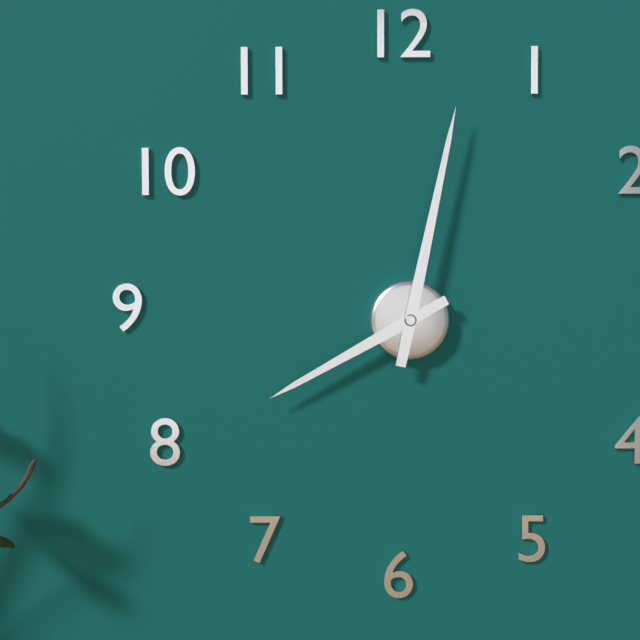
8:02
